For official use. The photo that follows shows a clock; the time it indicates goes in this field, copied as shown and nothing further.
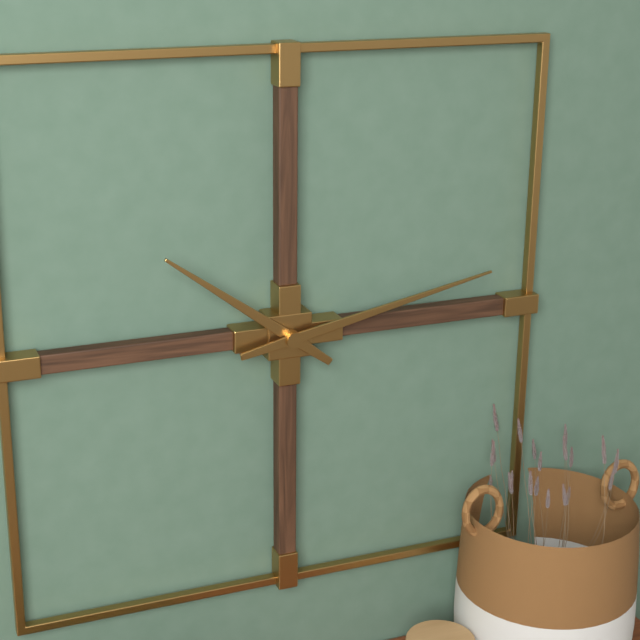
10:13
